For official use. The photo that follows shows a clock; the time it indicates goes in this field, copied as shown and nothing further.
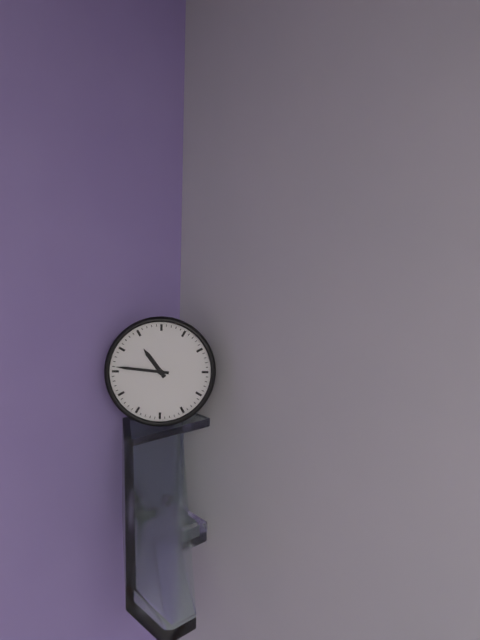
10:46
